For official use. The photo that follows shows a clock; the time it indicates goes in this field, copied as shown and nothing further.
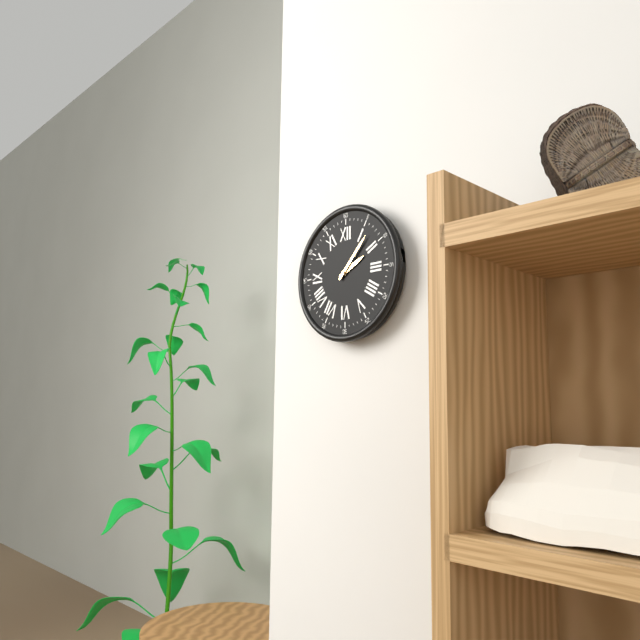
2:07
